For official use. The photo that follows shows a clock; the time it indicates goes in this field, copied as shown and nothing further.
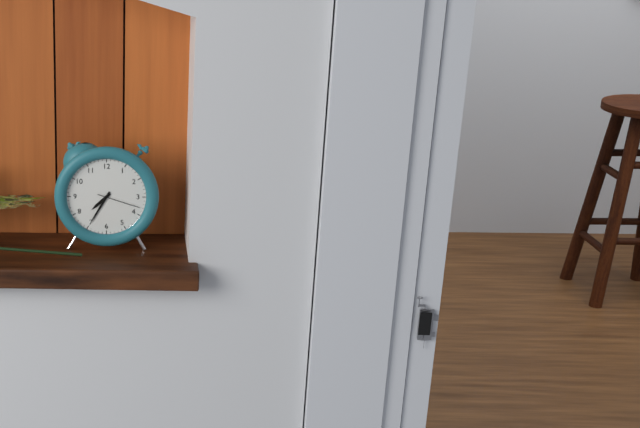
7:35
